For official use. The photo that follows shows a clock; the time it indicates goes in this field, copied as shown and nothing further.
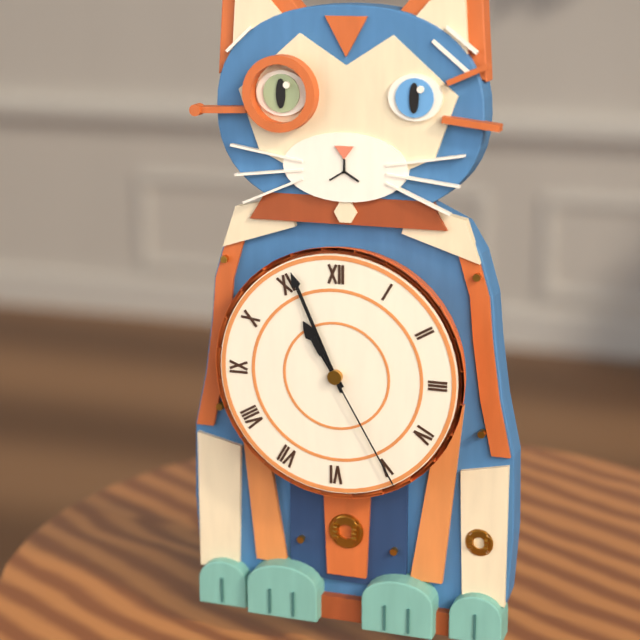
10:56:25
